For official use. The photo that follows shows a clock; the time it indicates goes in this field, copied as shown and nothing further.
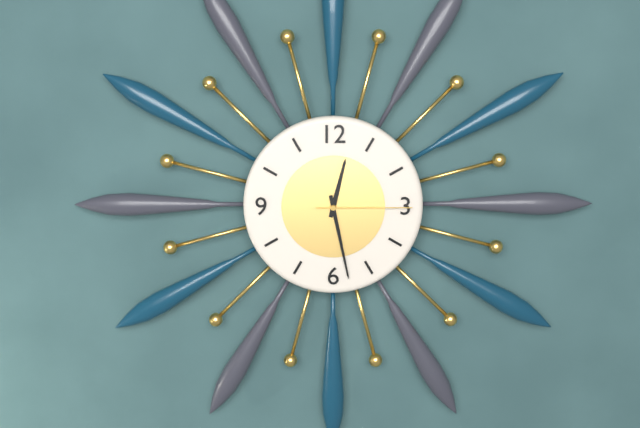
12:28:15
